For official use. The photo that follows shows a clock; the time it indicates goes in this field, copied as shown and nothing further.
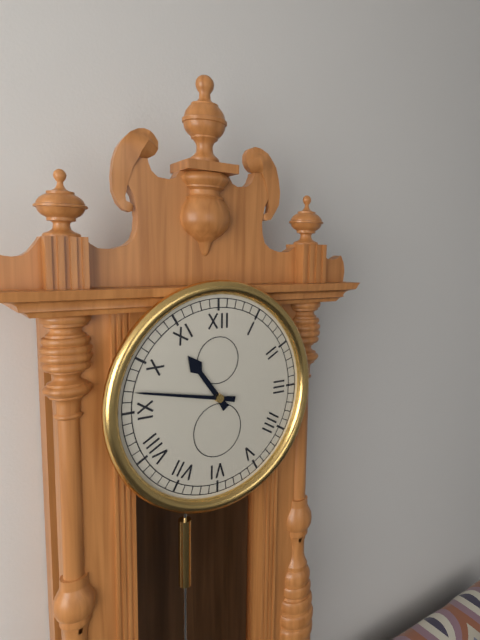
10:47
